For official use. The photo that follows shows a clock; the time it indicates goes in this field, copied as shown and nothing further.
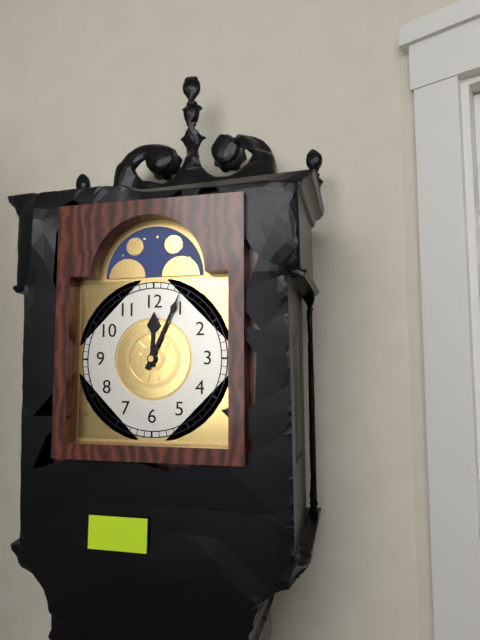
12:04
